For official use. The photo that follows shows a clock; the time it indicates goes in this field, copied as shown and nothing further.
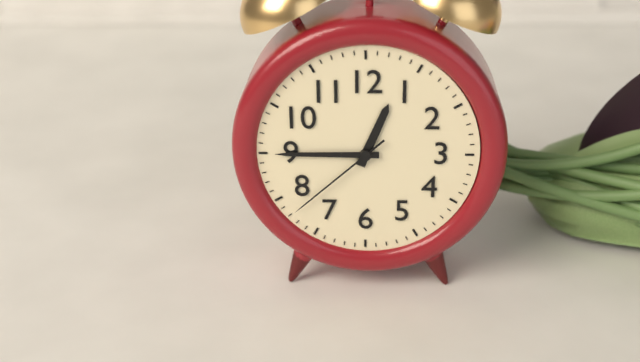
12:45:38
